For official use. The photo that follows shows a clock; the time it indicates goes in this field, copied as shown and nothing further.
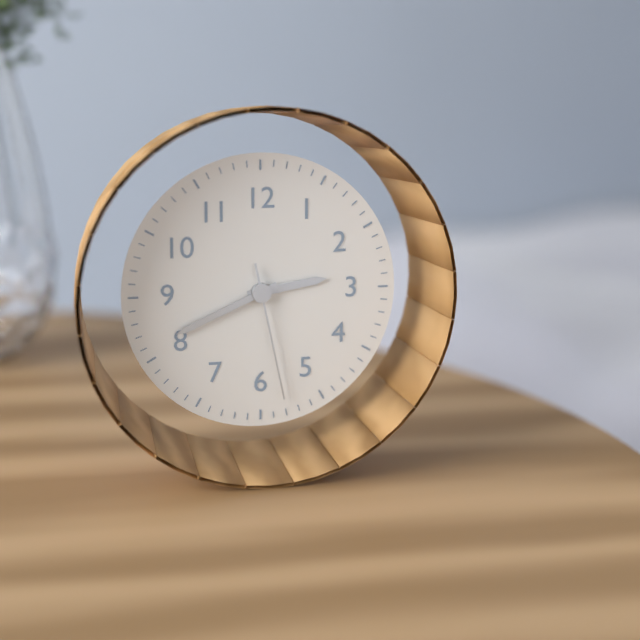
2:41:28
